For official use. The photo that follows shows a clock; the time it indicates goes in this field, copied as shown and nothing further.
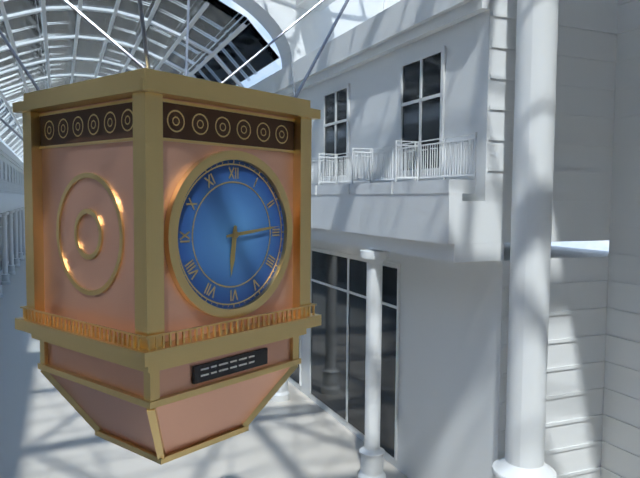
6:14
